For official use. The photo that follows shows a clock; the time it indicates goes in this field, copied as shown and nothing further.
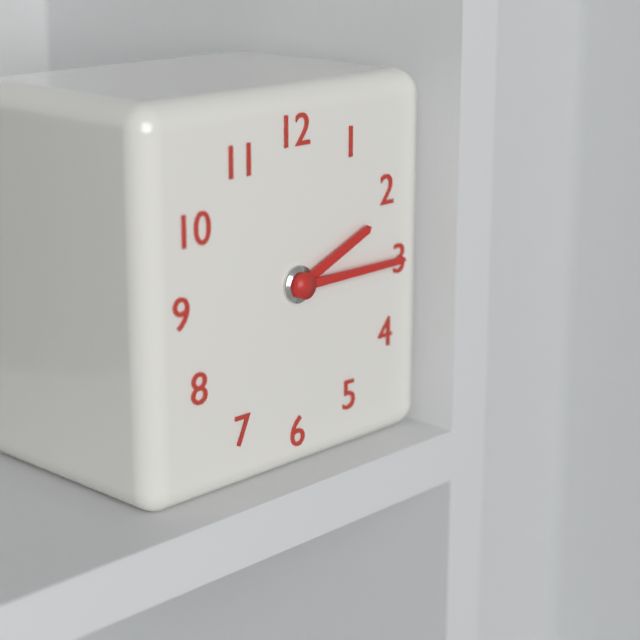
2:15
